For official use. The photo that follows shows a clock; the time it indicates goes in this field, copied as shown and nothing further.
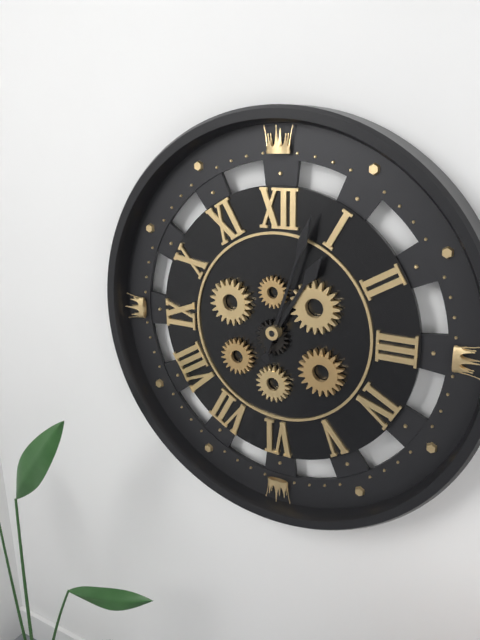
1:03
